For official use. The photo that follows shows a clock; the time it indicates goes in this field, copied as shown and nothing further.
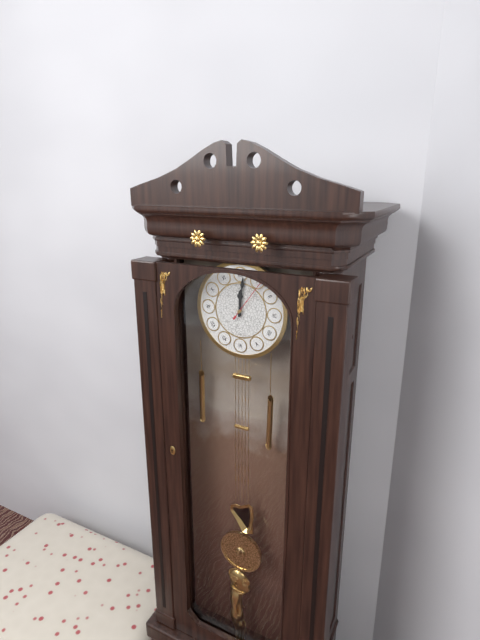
12:01
